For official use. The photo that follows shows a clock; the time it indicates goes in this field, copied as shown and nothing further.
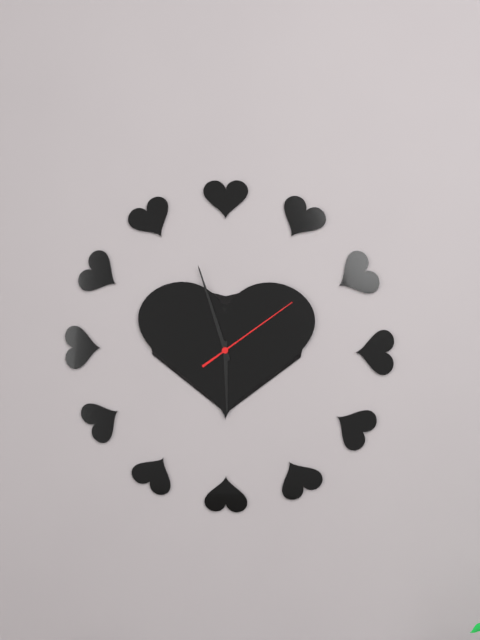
5:57:09
